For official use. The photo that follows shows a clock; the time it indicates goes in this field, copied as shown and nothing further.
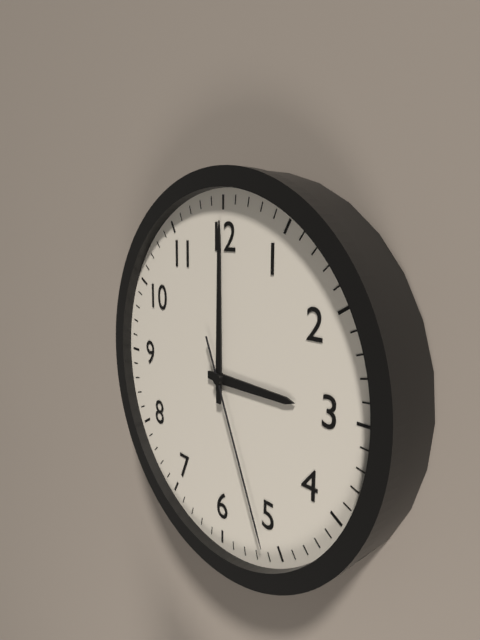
3:00:26
